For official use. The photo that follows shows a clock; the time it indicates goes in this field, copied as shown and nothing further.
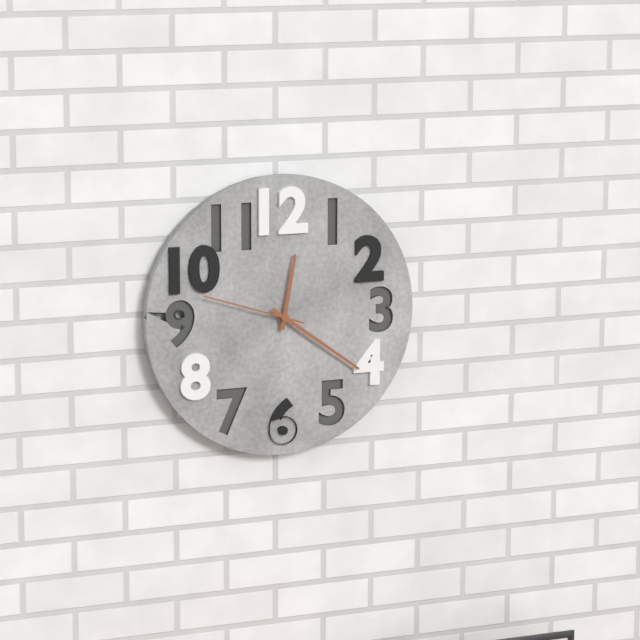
12:21:48
